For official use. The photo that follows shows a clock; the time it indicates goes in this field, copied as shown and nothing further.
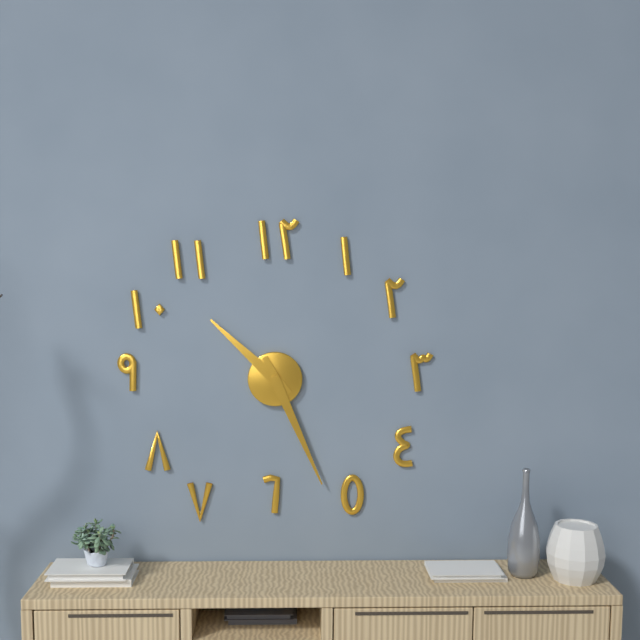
10:26
